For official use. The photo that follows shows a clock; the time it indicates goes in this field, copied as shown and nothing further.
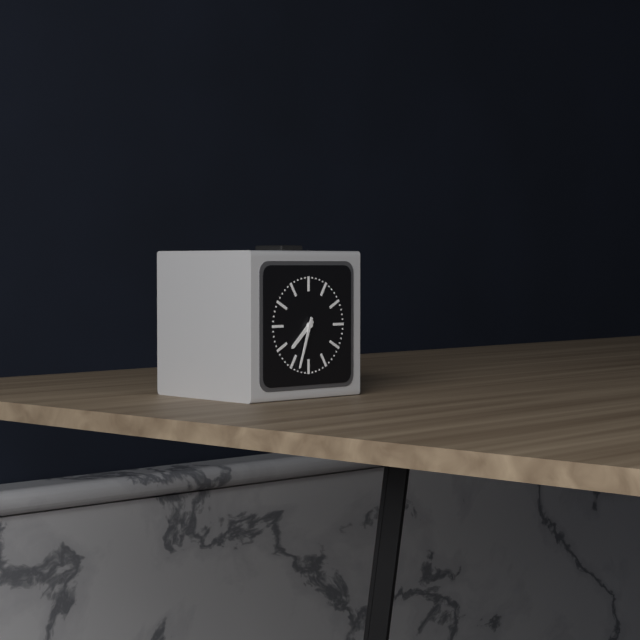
7:33
